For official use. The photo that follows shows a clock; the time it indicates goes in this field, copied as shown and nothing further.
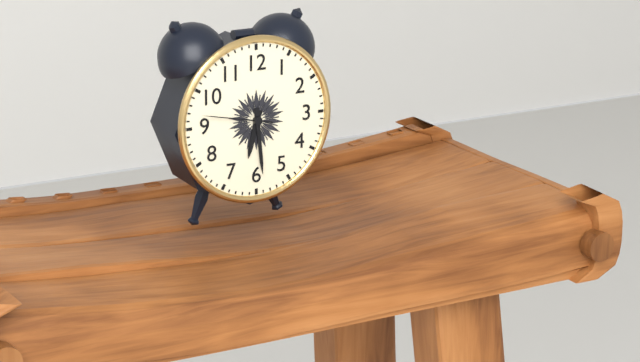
6:29:47
